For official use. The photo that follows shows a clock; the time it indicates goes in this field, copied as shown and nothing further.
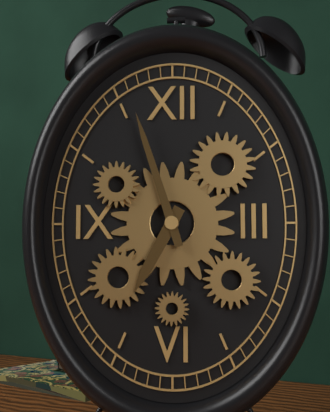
6:57
